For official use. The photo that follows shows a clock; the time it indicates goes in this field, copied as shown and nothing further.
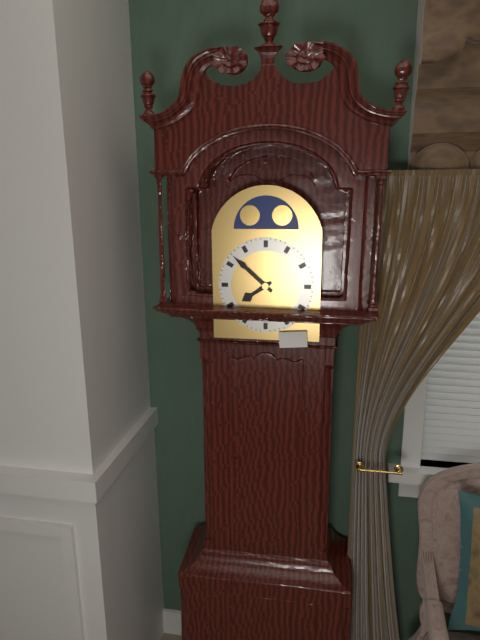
7:52
